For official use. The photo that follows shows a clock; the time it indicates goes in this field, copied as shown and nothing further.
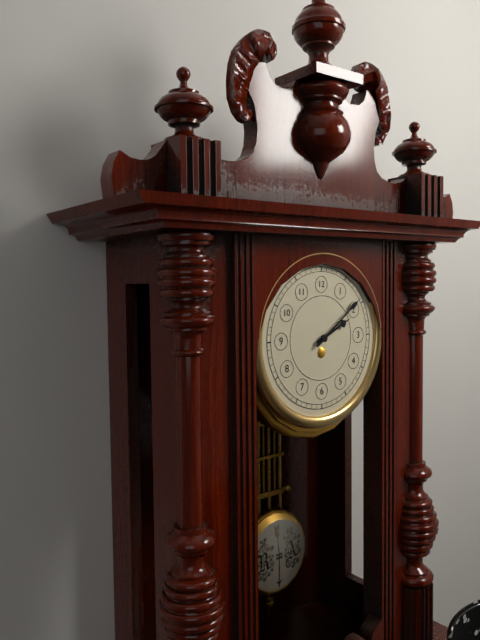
2:09
